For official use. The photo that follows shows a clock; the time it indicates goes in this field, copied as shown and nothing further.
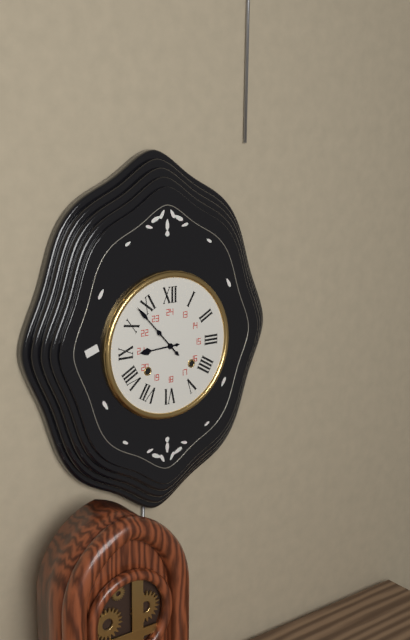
8:53
